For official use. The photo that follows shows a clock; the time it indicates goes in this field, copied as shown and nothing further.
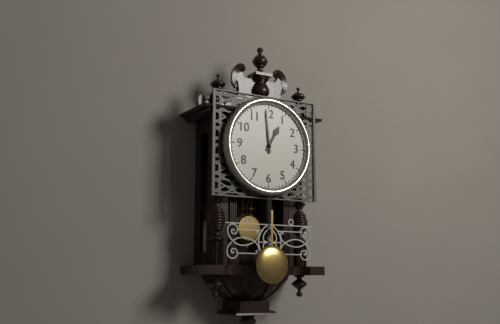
12:59
